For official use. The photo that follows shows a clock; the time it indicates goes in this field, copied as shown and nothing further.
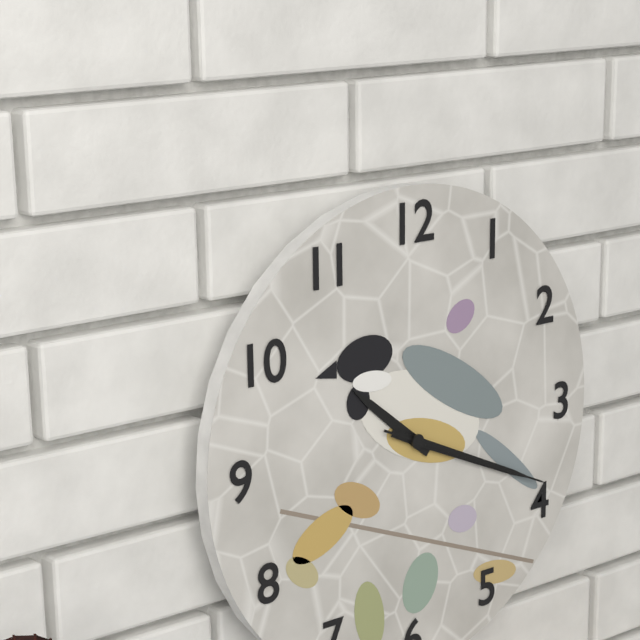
10:19:19
